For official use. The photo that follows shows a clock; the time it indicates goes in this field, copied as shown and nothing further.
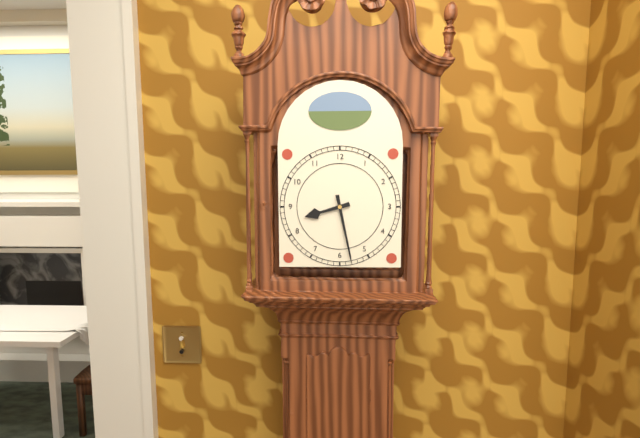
8:28
